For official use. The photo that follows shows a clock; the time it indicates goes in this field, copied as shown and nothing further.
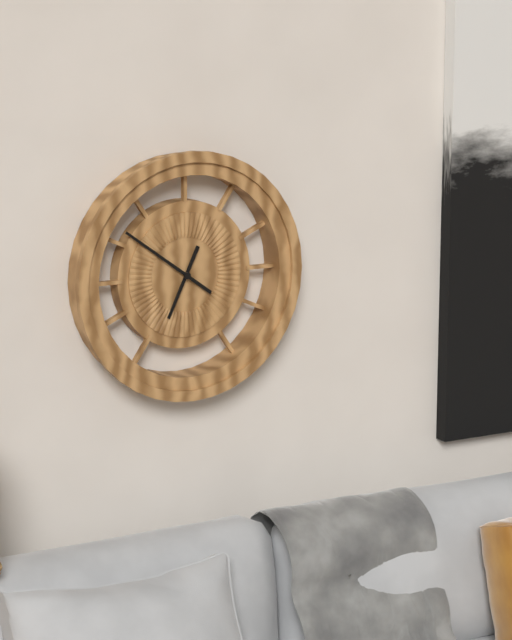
6:51
